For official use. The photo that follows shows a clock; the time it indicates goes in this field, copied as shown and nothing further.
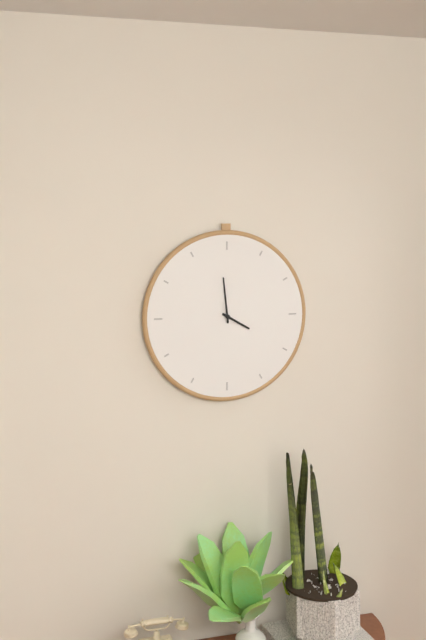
3:59
